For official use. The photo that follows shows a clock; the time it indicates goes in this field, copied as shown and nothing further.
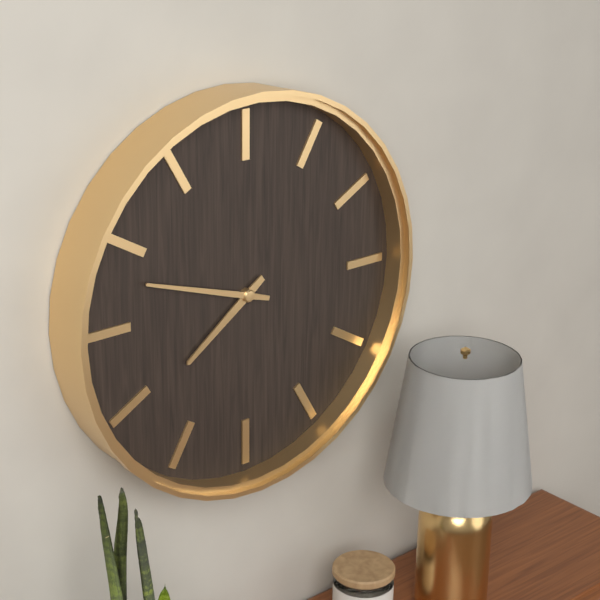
7:48
